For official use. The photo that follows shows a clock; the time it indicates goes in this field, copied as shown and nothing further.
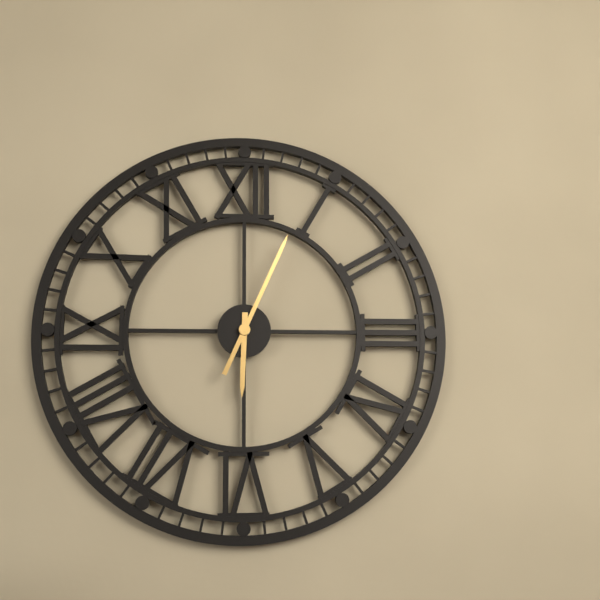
6:04
